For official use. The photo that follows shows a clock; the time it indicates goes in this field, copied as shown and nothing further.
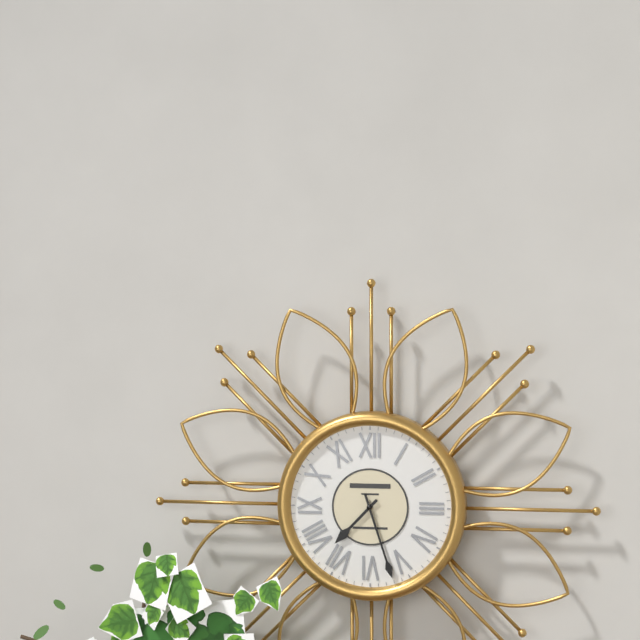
7:27
